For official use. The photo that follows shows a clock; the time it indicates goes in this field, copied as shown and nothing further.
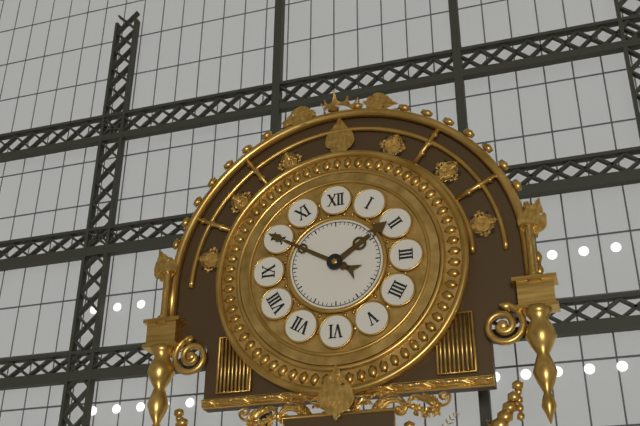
1:50
